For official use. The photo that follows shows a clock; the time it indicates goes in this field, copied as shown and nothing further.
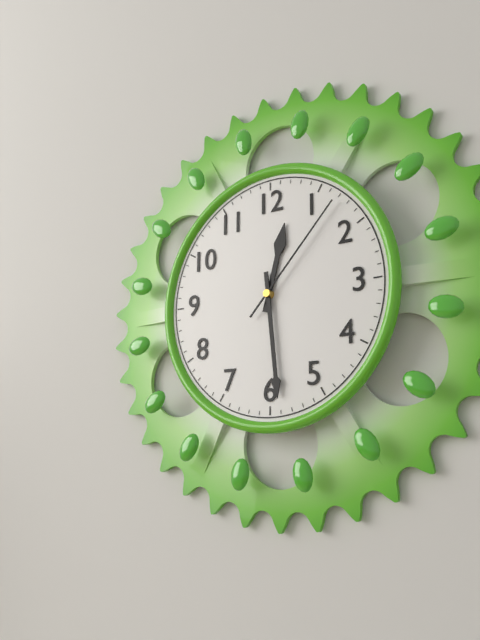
12:29:07
